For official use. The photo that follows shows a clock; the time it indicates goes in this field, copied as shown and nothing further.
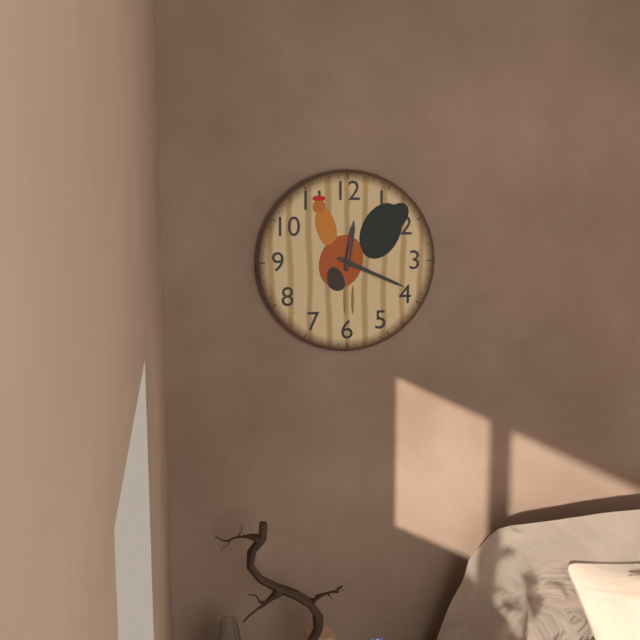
12:19
